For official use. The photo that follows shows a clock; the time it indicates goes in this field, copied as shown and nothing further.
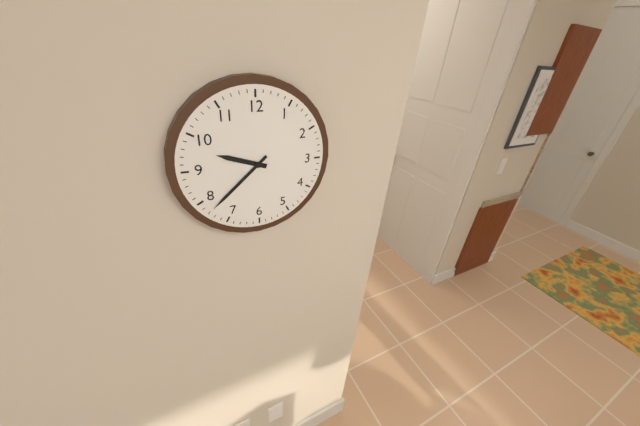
9:38
